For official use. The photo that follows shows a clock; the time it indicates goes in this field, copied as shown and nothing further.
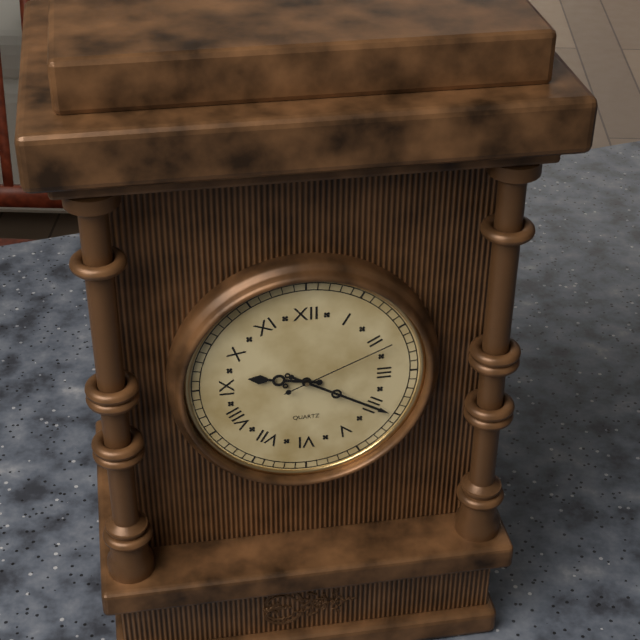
9:20:11
